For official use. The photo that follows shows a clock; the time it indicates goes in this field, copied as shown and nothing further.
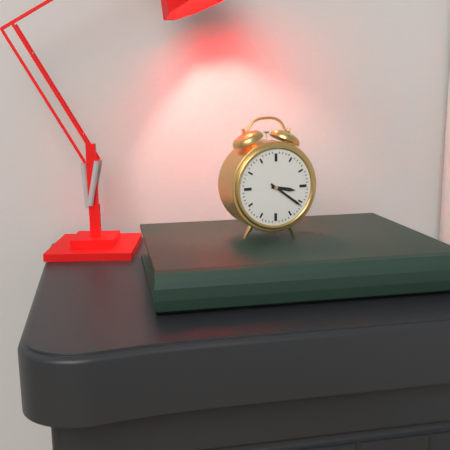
3:21
